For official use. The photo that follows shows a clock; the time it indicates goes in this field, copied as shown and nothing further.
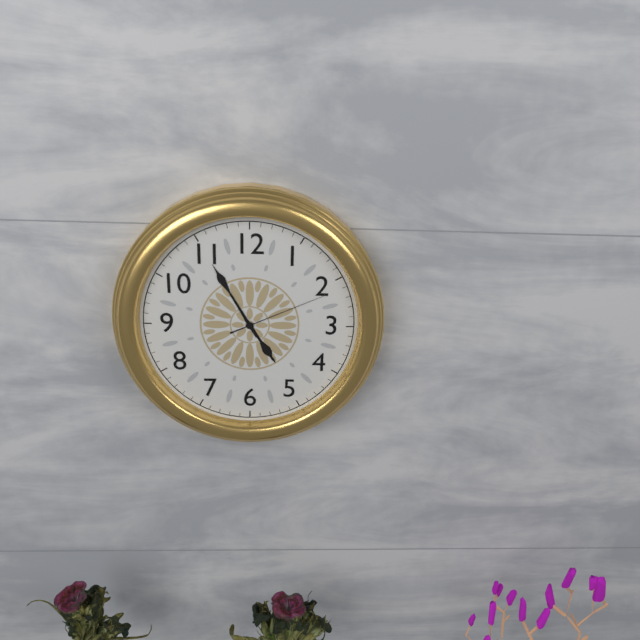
4:55:11
